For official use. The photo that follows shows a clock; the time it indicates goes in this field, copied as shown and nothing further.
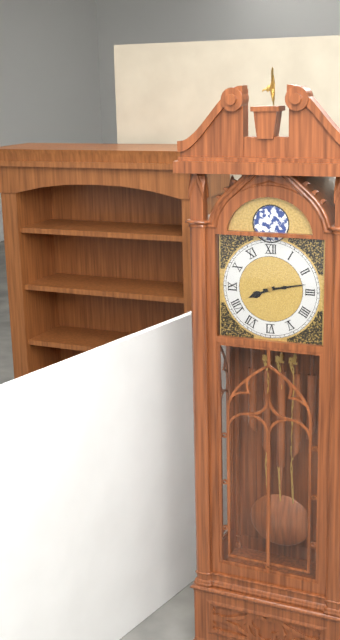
8:13
